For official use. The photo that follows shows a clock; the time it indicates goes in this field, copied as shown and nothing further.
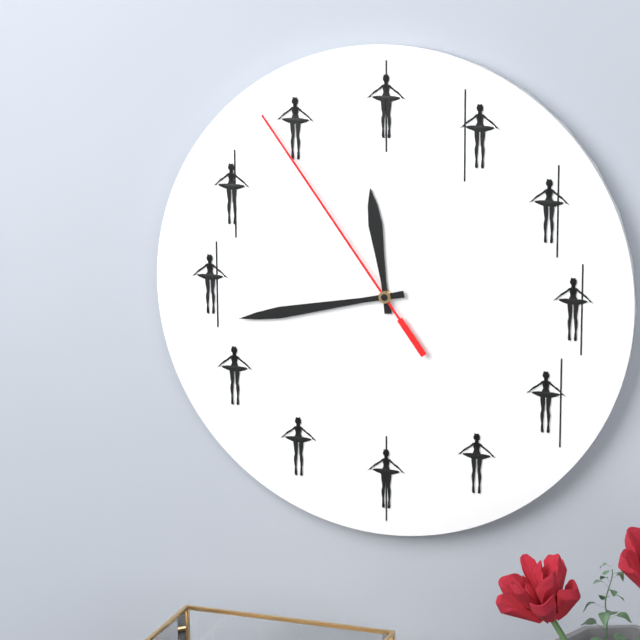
11:43:54
